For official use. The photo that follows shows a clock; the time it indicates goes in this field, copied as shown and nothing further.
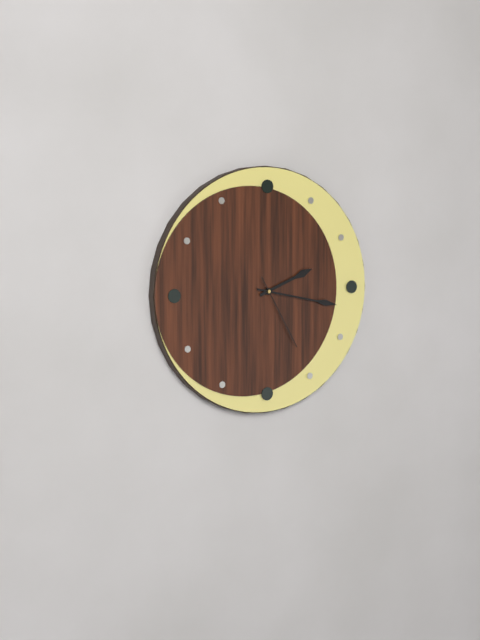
2:17:25
